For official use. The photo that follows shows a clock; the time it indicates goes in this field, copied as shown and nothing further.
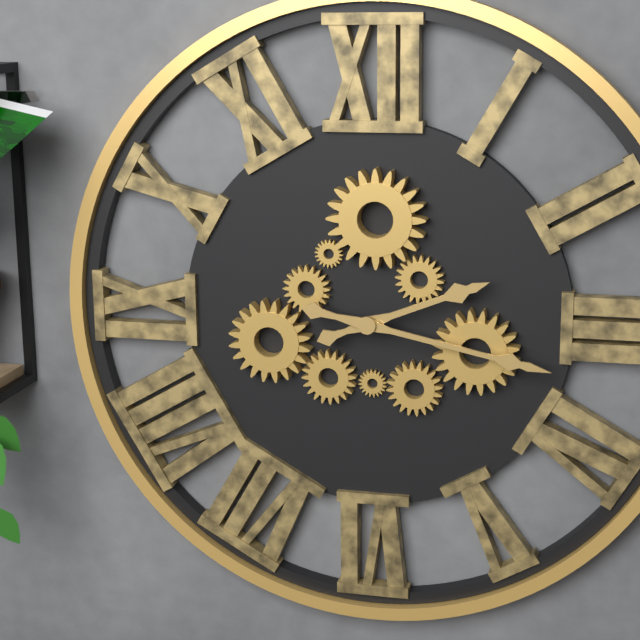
2:17
